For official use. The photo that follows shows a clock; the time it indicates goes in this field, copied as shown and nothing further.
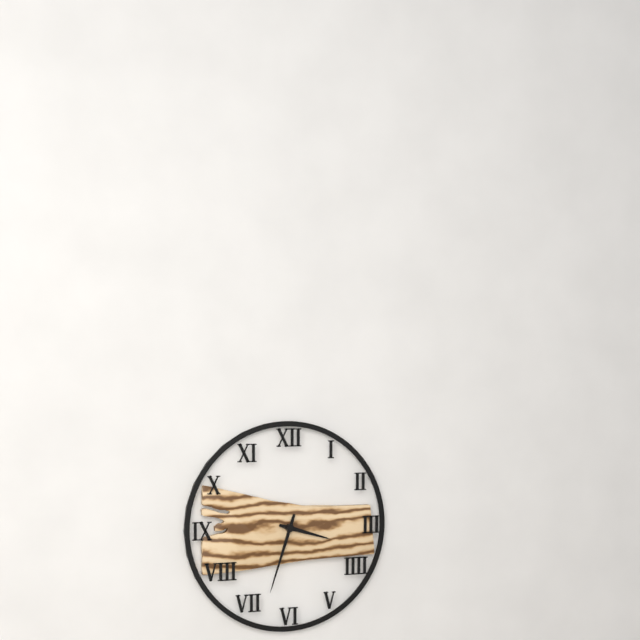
3:33
